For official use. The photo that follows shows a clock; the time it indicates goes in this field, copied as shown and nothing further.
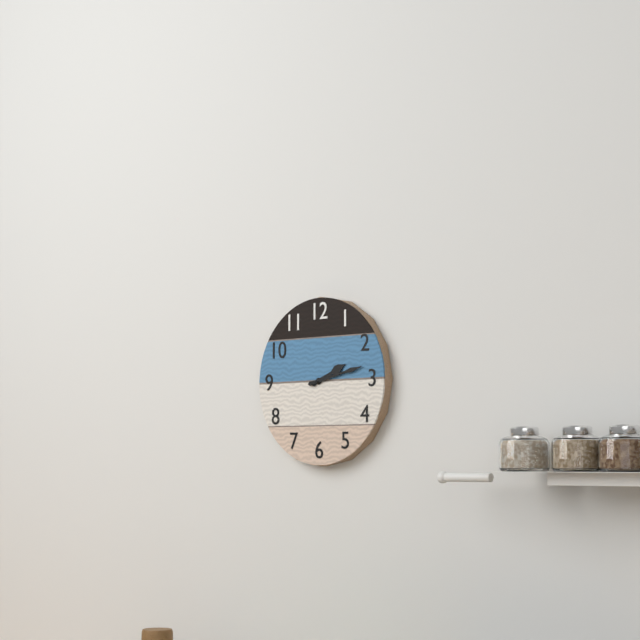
2:13
